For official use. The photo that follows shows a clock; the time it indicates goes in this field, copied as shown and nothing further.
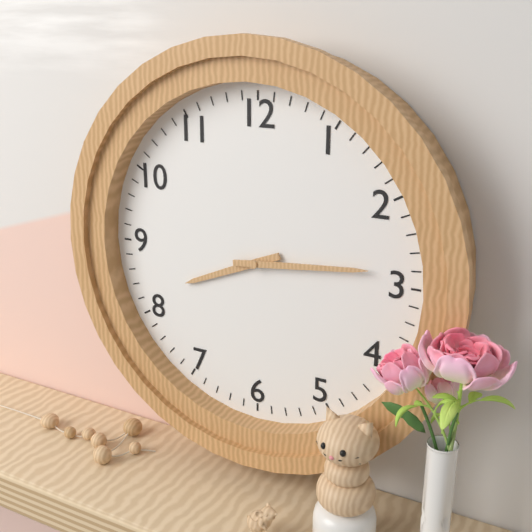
8:14
